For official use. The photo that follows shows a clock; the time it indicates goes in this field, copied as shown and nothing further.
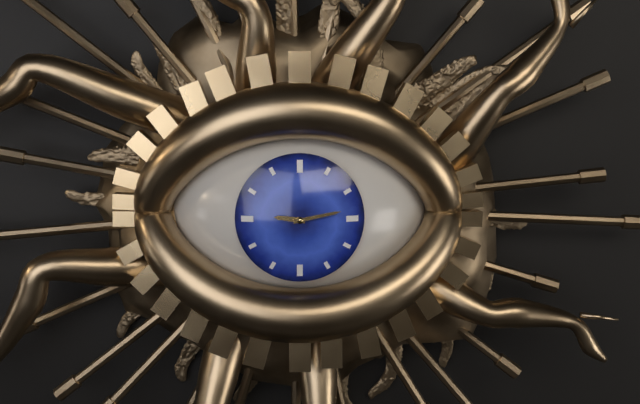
9:13
